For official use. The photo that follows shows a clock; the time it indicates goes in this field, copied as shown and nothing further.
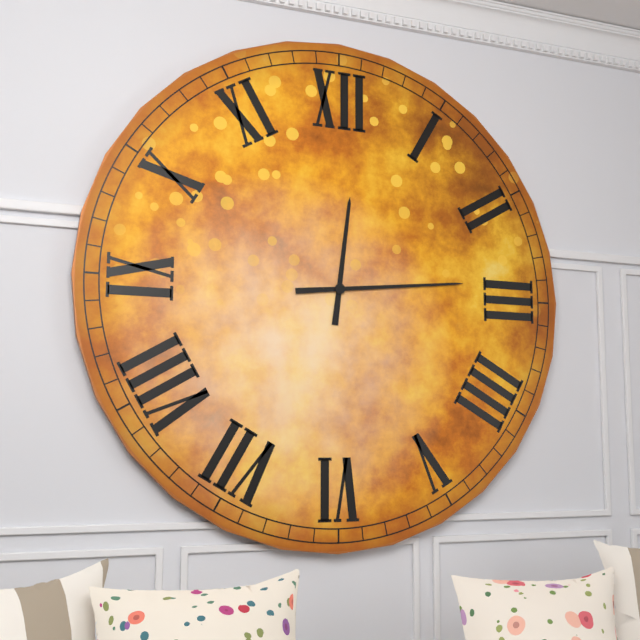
12:14
